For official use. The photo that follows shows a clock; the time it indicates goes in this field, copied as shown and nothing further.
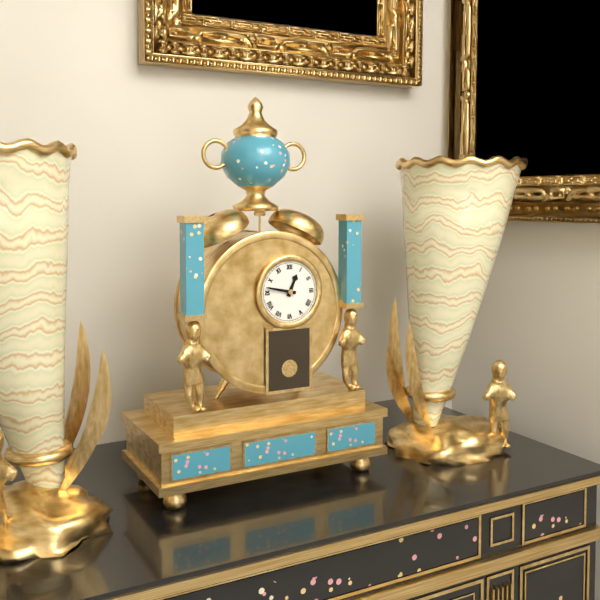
12:47
